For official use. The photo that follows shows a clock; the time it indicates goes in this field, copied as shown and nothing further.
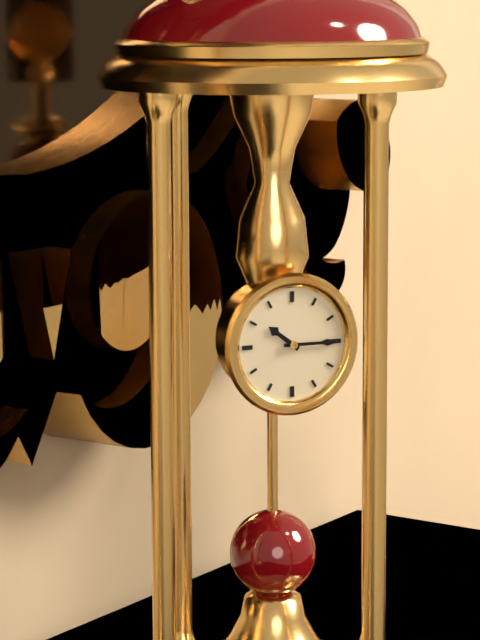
10:15
